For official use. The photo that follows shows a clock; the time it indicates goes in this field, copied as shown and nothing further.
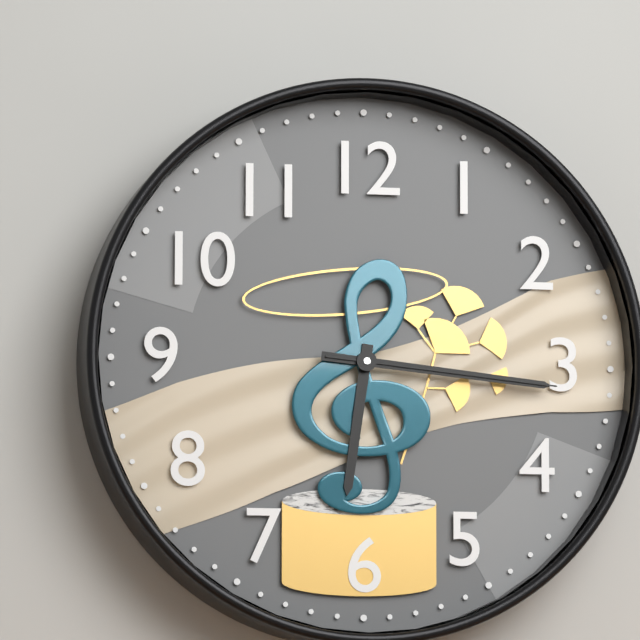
6:16:16
